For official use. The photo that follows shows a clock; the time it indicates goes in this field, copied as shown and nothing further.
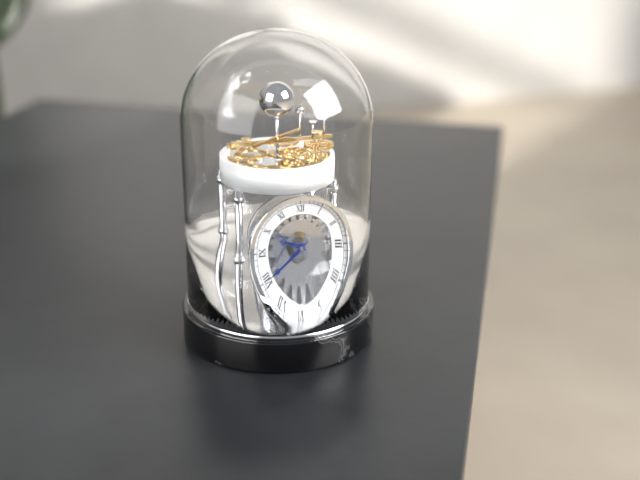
9:40
